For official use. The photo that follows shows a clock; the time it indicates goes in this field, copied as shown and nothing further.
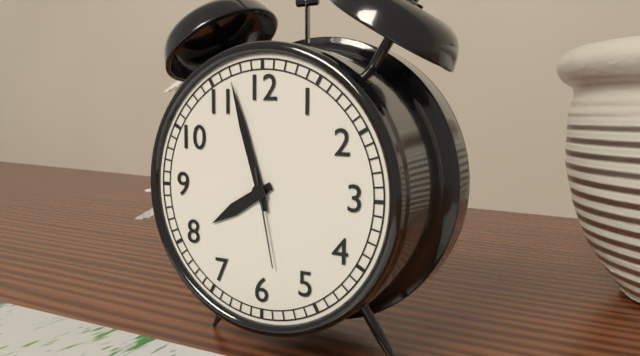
7:57:28
